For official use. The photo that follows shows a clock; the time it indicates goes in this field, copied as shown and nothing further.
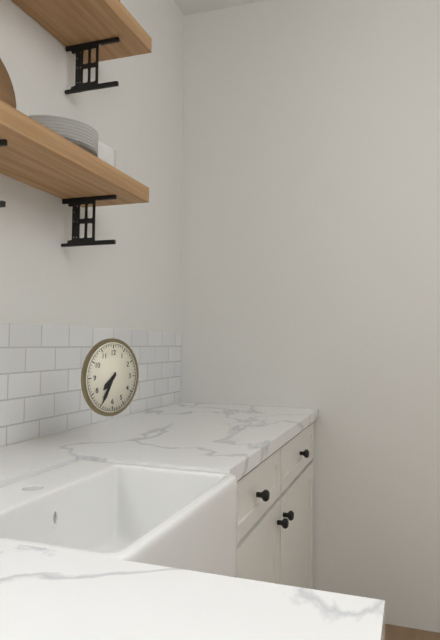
7:35
